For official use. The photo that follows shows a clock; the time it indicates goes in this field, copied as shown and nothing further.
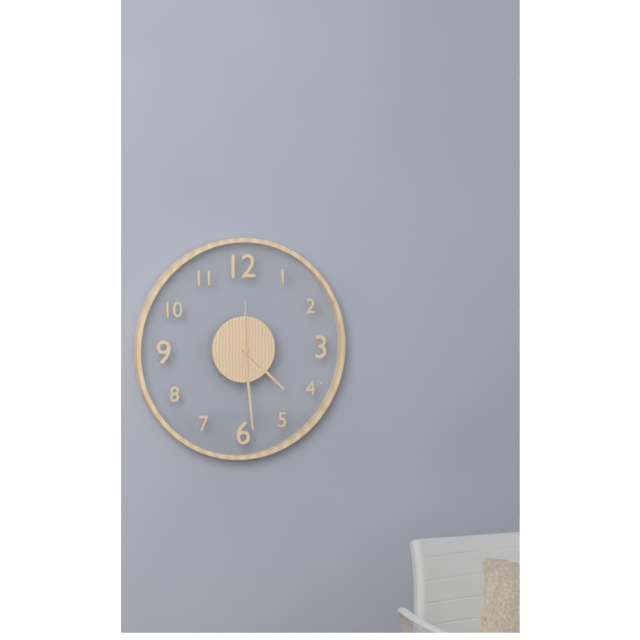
4:29:00
